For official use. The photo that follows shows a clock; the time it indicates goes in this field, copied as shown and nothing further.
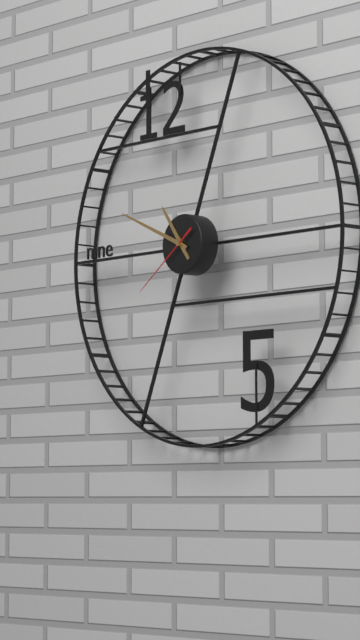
10:49:39
